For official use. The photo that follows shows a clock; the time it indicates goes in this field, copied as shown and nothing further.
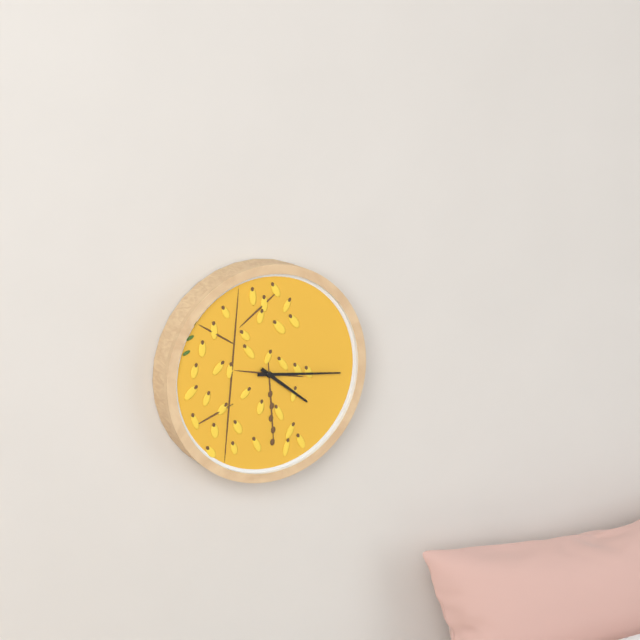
4:16
